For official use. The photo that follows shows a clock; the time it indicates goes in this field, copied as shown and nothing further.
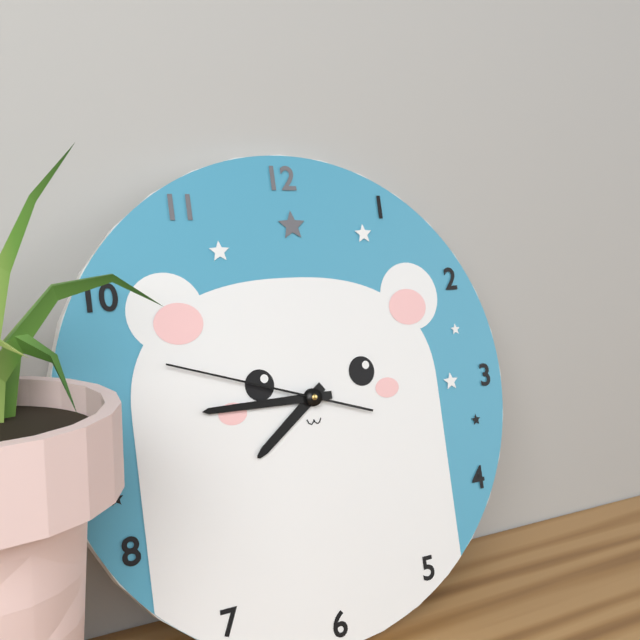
7:45:48
